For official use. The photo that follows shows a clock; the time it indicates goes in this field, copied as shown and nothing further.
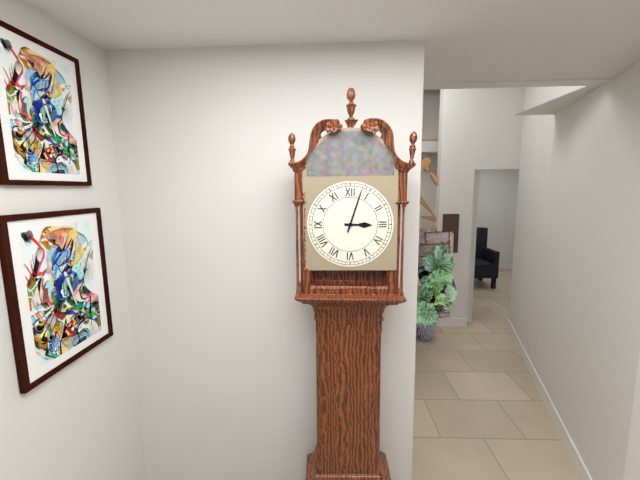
3:03
